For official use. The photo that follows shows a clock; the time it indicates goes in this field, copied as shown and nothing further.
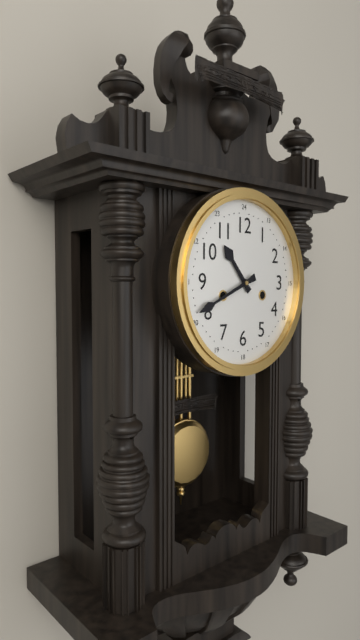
10:41
